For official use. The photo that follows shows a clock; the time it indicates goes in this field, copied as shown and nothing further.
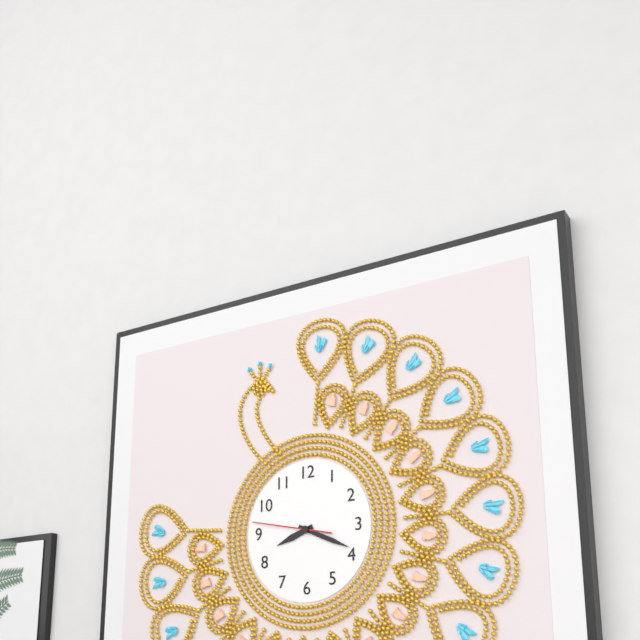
8:19:47
